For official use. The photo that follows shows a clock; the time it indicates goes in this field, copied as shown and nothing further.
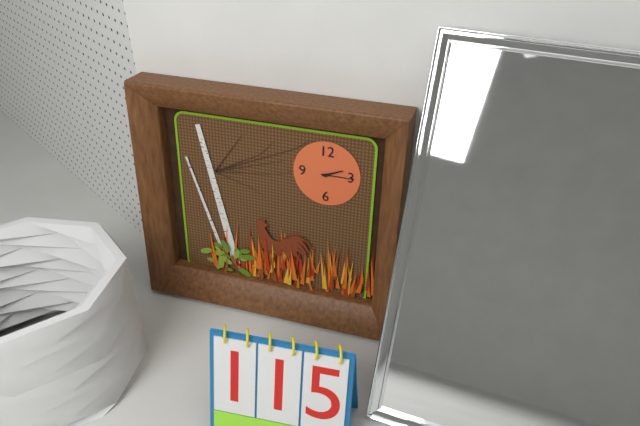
2:15
